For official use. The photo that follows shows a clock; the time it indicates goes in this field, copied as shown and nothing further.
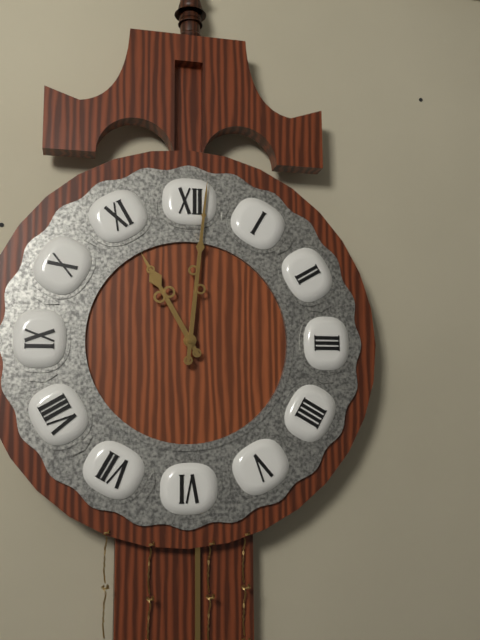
11:01
